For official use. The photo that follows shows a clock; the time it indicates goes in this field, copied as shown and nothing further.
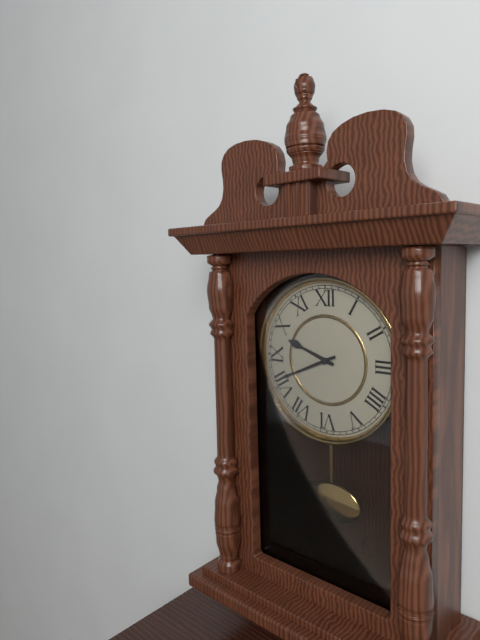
9:41
